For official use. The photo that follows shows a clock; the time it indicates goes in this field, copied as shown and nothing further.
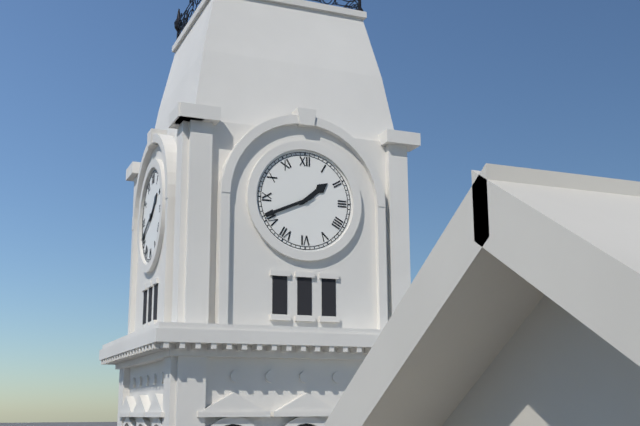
1:41
